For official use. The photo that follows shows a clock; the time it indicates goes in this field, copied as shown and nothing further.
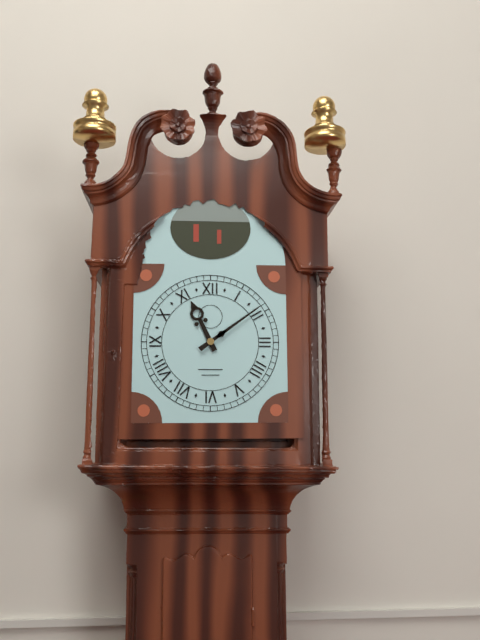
11:09
